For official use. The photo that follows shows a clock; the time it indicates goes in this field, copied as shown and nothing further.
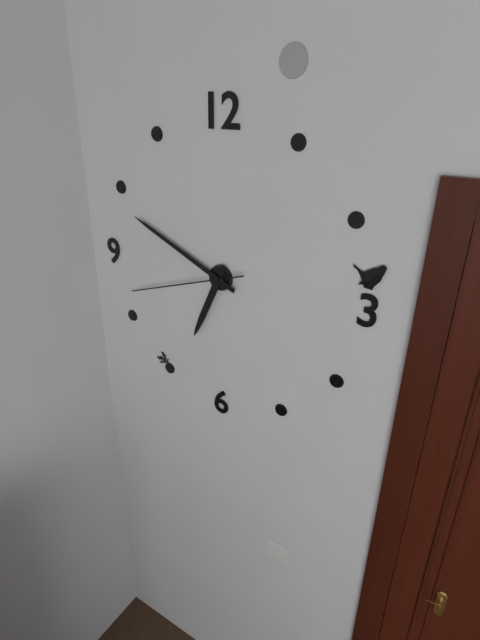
6:49:42
